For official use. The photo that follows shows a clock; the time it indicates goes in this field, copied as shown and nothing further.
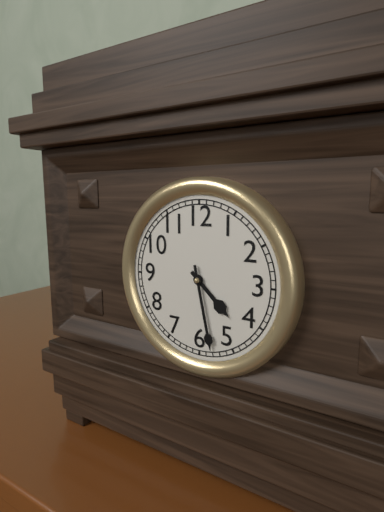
4:28
